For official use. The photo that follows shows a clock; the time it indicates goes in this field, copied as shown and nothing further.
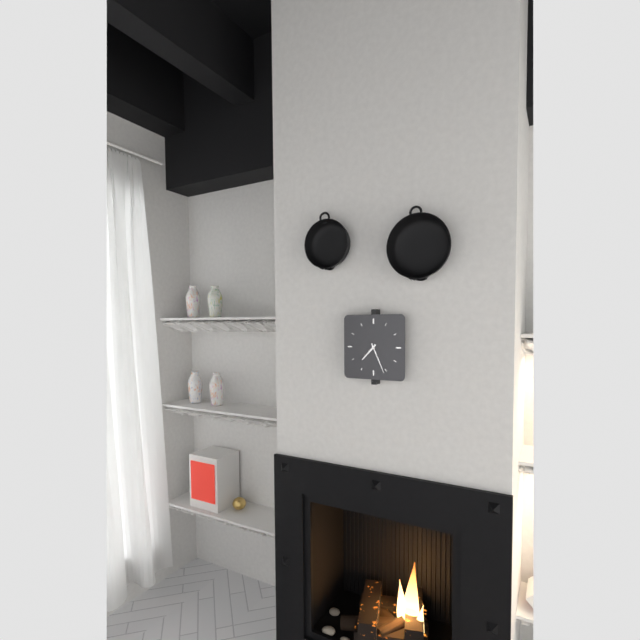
7:26
